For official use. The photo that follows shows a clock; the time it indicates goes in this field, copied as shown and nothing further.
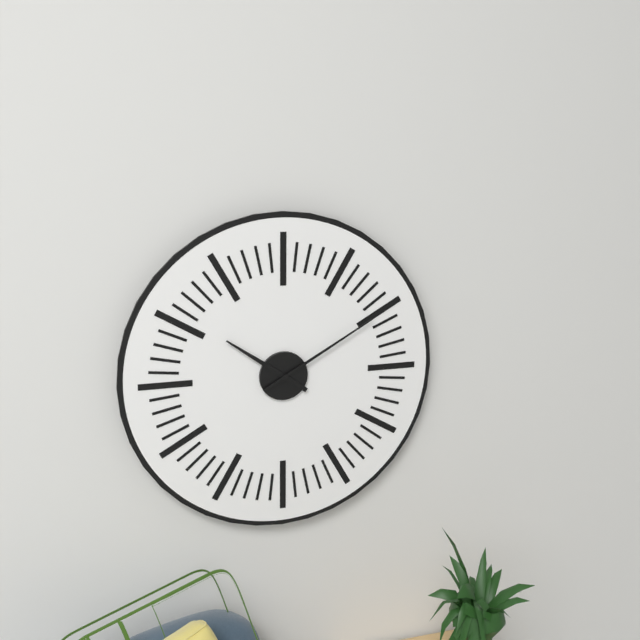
10:10
